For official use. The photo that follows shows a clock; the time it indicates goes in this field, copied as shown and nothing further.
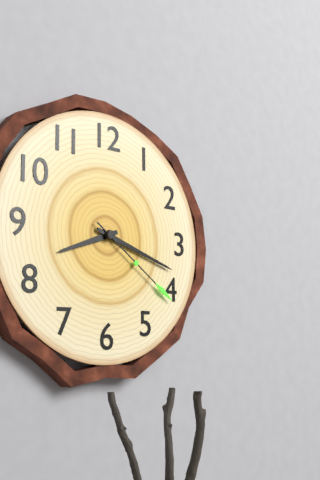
8:18:21
